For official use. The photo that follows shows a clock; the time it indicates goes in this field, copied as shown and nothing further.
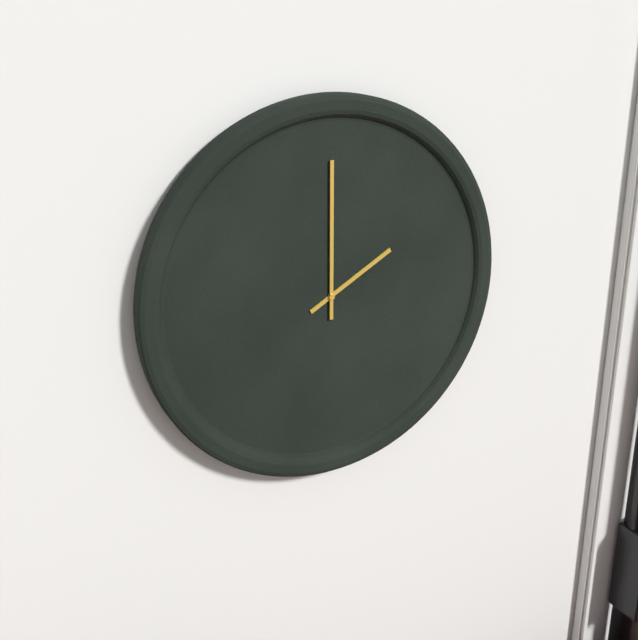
2:00
